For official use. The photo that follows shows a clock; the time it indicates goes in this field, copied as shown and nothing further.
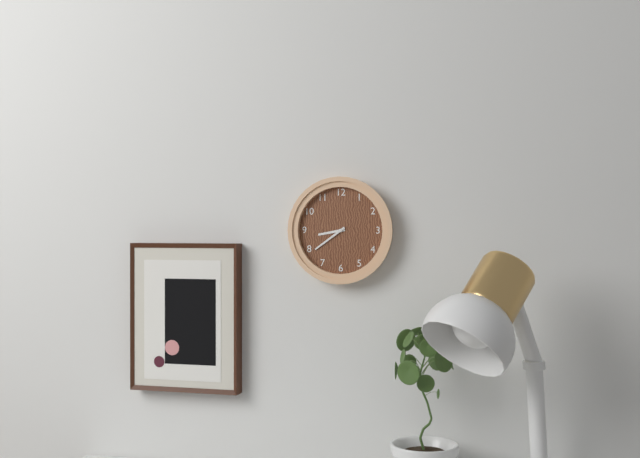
8:39
